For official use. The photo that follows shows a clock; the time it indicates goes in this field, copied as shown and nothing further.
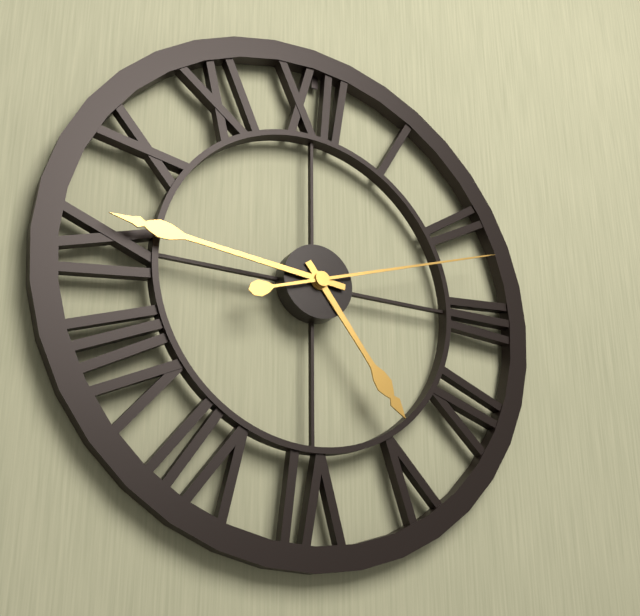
4:46:12
